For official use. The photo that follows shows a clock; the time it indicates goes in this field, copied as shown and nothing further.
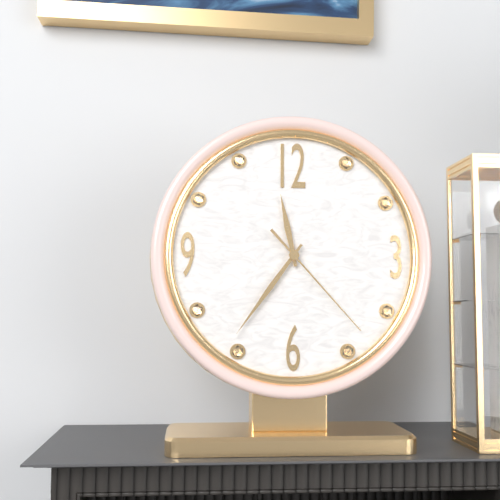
11:36:23
